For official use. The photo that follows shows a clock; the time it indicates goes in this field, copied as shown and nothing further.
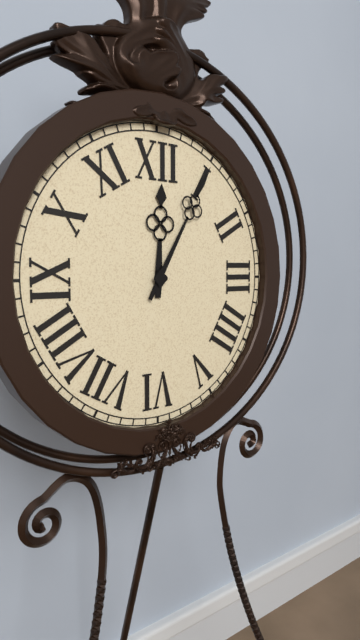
12:05
